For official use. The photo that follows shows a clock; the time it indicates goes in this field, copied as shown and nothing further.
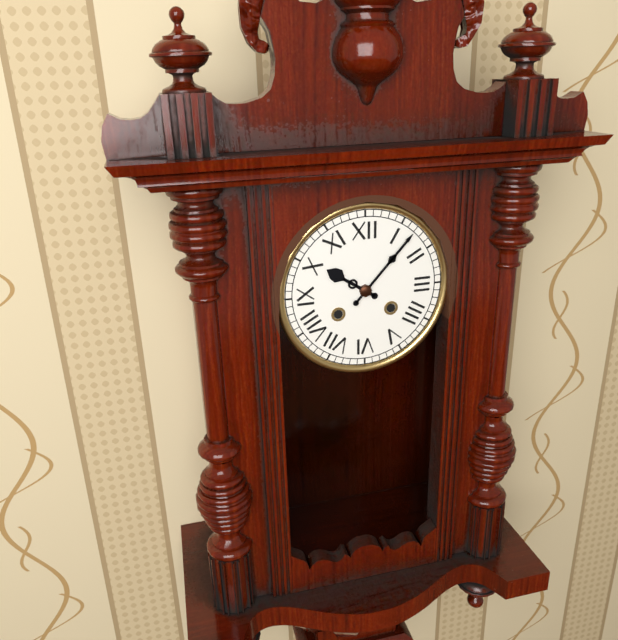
10:07
